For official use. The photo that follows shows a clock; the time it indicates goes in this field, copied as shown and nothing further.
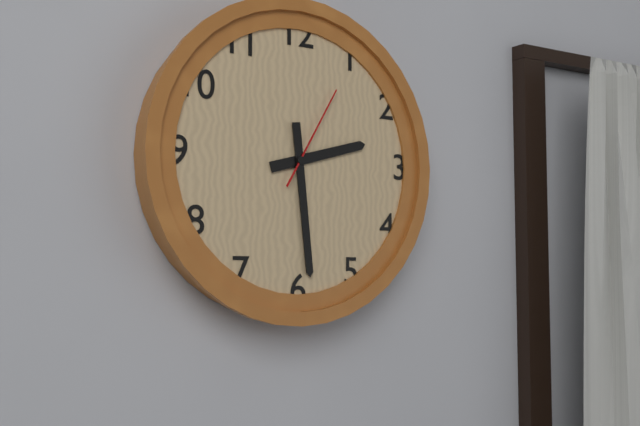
2:29:05
